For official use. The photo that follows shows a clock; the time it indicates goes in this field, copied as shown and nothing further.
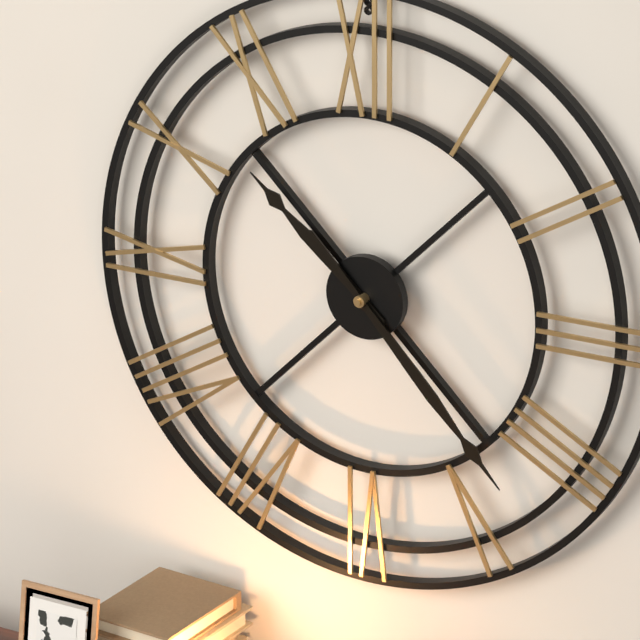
10:23
